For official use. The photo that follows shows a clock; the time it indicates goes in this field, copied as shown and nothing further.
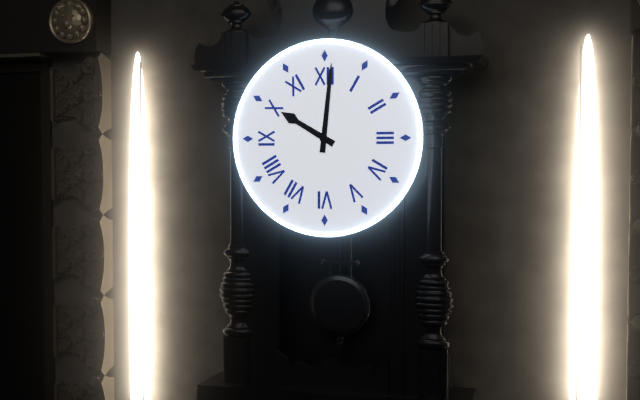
10:01
